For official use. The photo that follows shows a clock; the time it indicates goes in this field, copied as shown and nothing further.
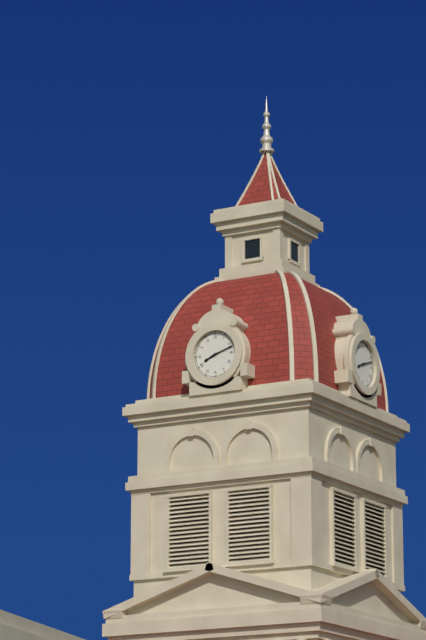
8:12
